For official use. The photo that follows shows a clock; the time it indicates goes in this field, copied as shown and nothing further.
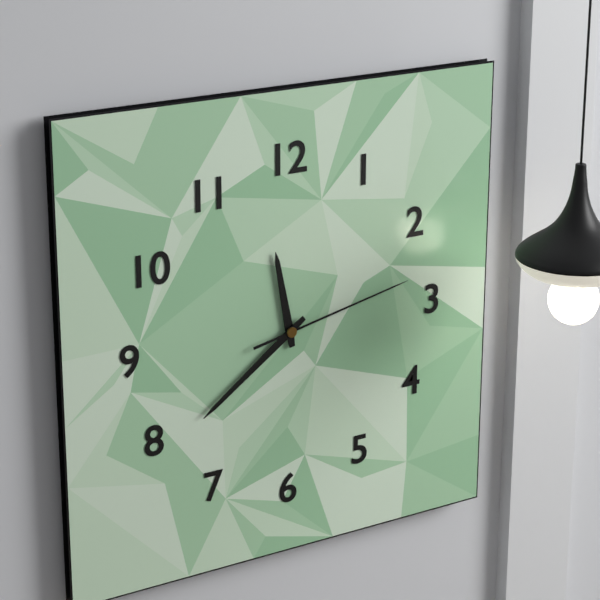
11:39:13
